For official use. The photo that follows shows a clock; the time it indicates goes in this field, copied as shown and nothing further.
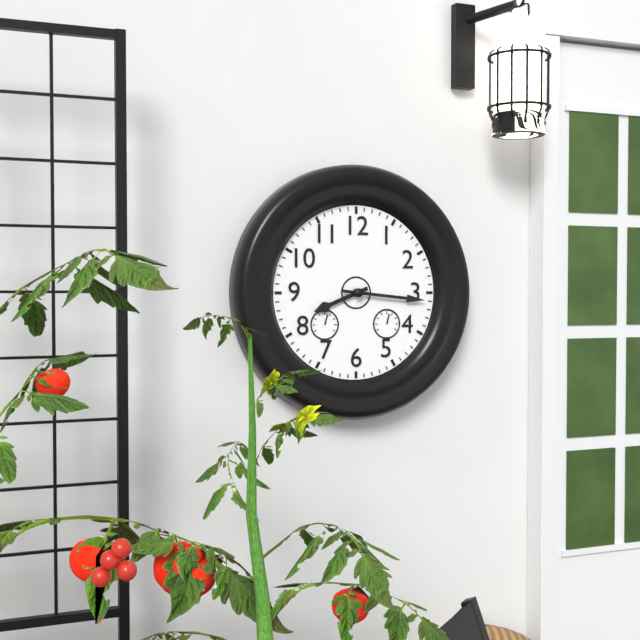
8:16
